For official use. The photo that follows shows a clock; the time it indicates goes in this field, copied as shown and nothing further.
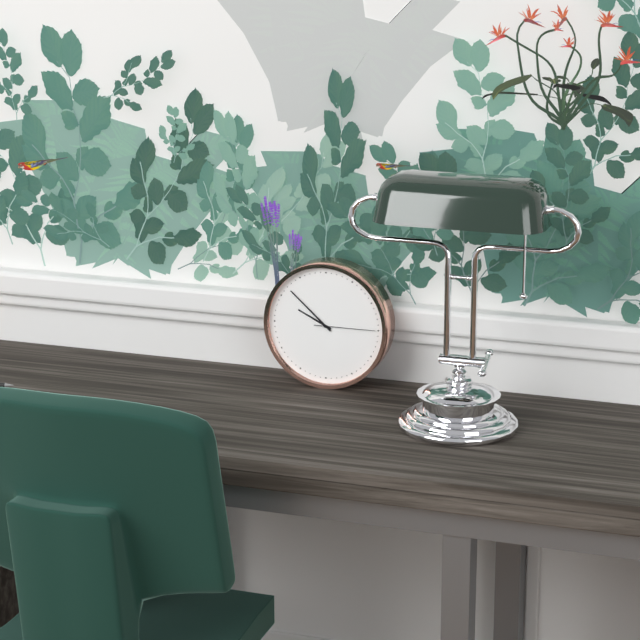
9:52:15
